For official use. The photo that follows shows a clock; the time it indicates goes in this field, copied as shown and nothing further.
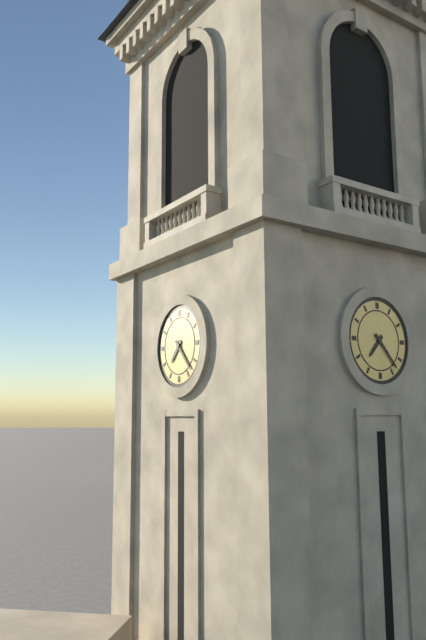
7:23
